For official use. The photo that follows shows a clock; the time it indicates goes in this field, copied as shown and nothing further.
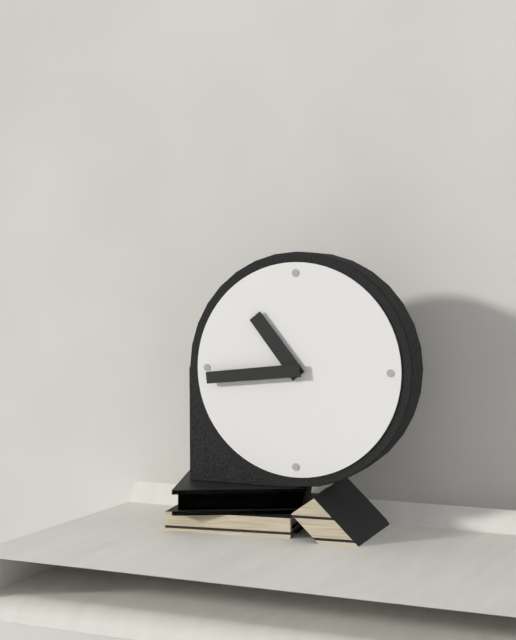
10:44
